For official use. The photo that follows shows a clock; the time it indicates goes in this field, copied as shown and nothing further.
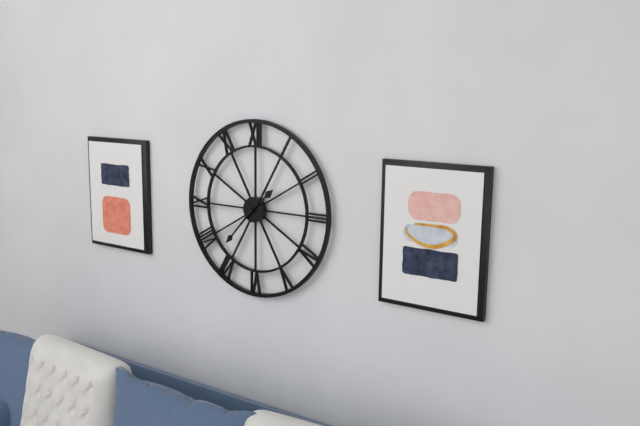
1:37
